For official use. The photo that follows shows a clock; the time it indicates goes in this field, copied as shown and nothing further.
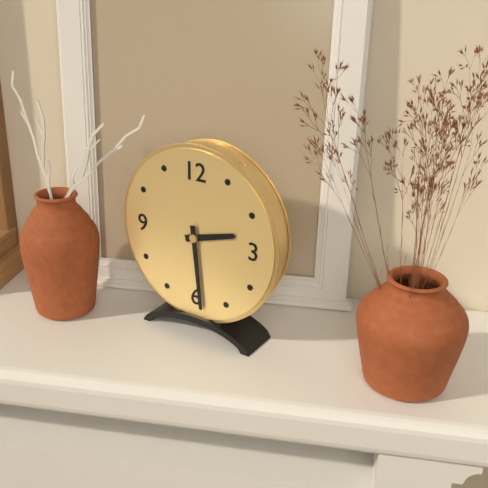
2:29
